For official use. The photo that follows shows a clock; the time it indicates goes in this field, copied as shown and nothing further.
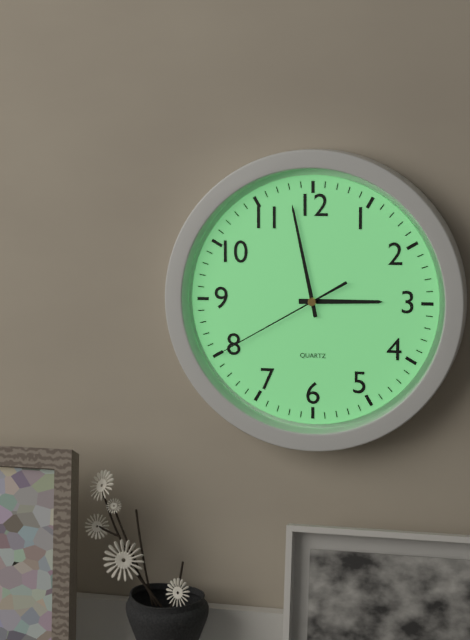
2:58:40
